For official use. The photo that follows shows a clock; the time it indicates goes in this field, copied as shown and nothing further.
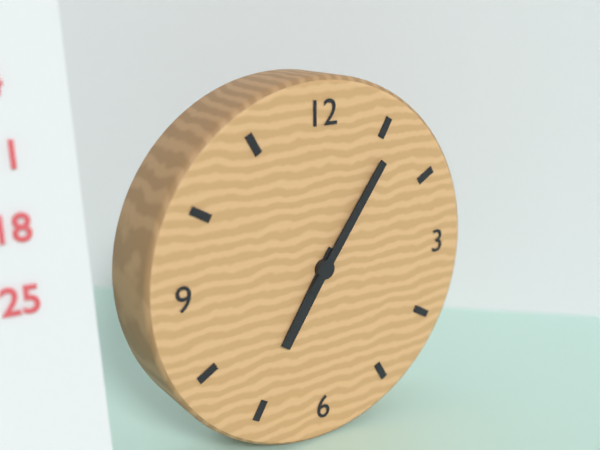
7:06
